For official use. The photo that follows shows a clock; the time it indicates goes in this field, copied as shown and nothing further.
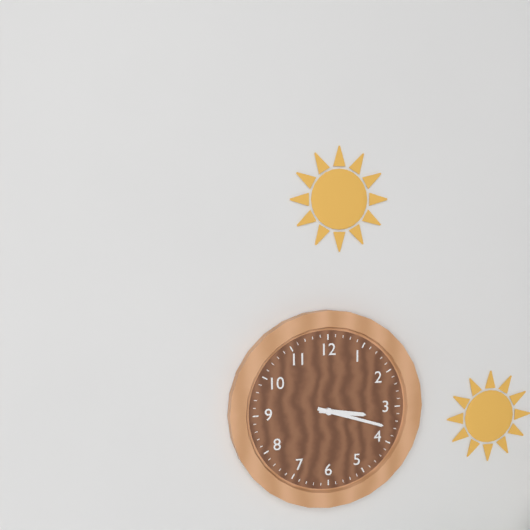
3:18
